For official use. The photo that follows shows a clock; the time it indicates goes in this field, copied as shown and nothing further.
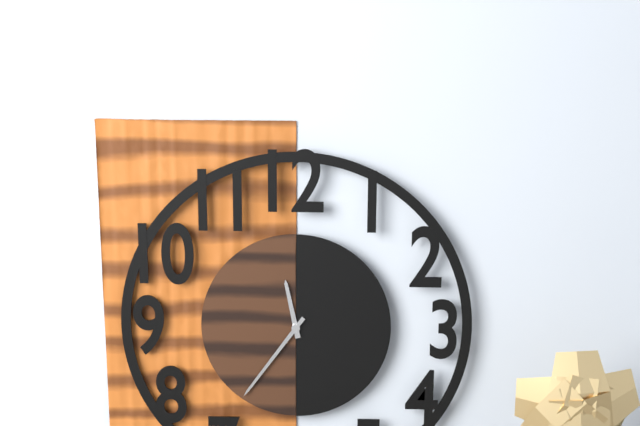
11:36
